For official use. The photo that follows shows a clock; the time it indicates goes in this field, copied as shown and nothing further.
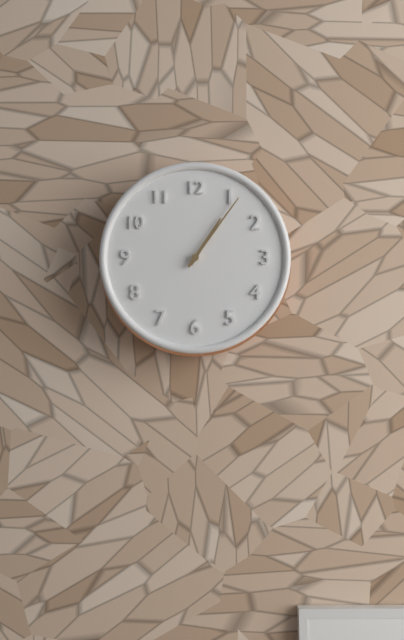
1:06
